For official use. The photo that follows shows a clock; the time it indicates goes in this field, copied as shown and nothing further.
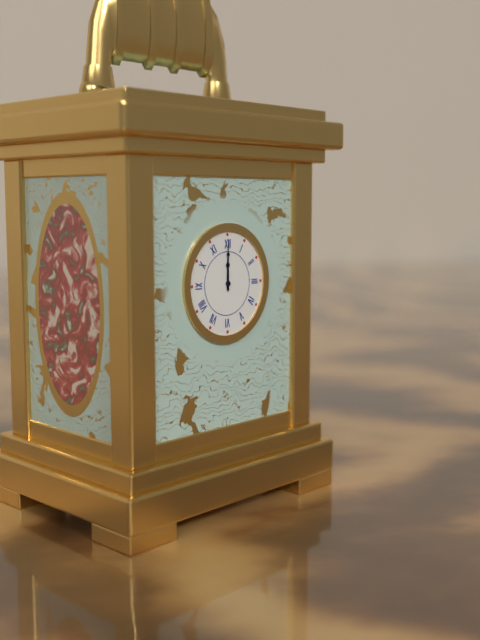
12:00
